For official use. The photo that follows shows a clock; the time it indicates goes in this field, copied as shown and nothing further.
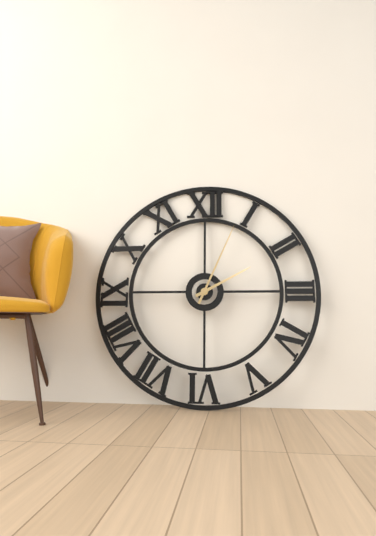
2:04
